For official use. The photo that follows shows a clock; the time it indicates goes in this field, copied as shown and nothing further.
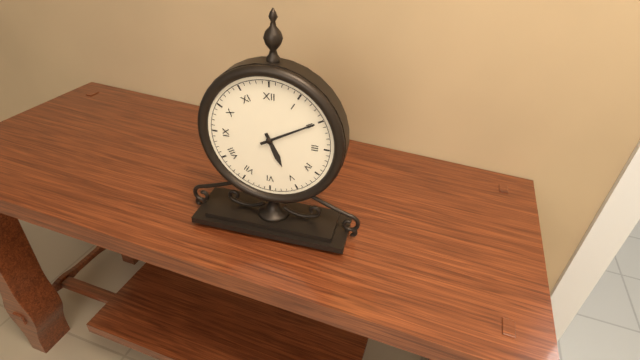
5:10
